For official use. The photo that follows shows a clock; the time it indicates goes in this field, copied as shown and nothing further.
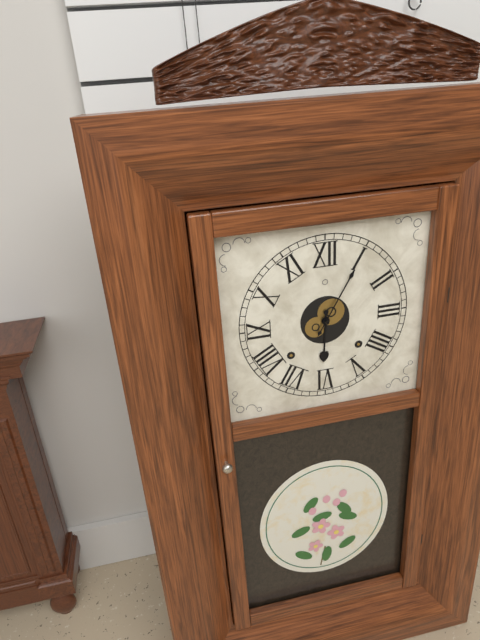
6:05
